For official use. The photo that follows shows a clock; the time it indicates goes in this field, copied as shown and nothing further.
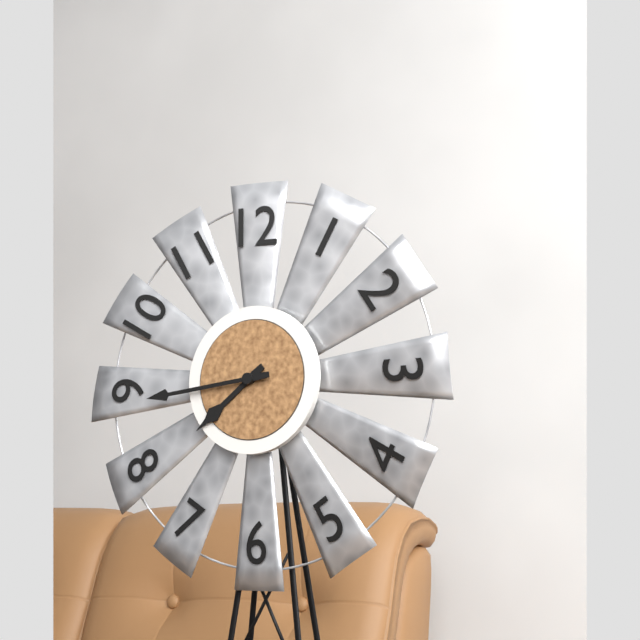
7:44
